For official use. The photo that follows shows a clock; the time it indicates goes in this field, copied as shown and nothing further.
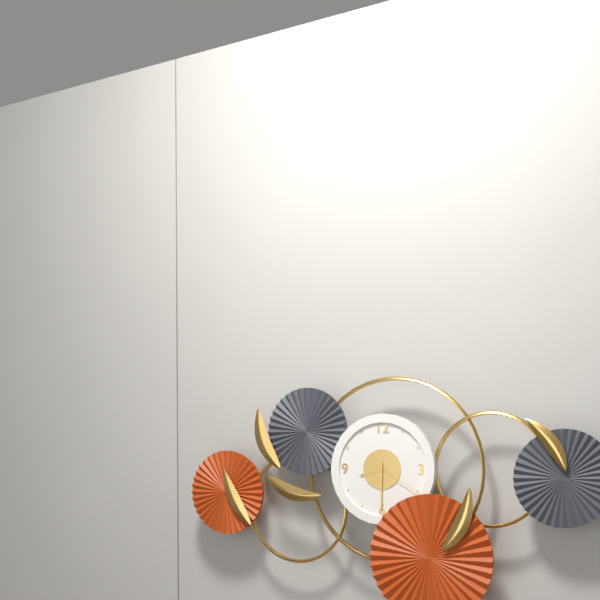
8:30:20
